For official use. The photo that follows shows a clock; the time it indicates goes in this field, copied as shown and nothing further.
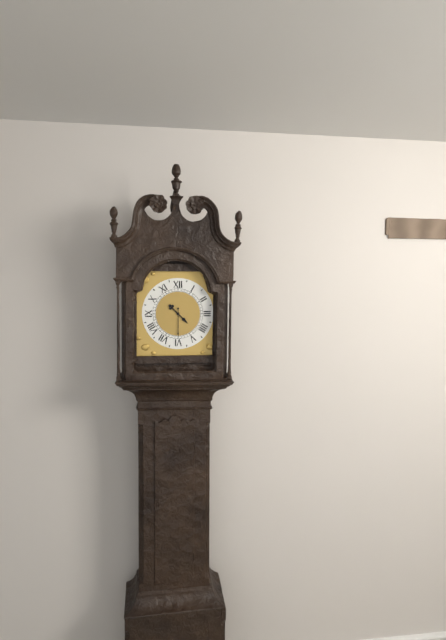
4:30
